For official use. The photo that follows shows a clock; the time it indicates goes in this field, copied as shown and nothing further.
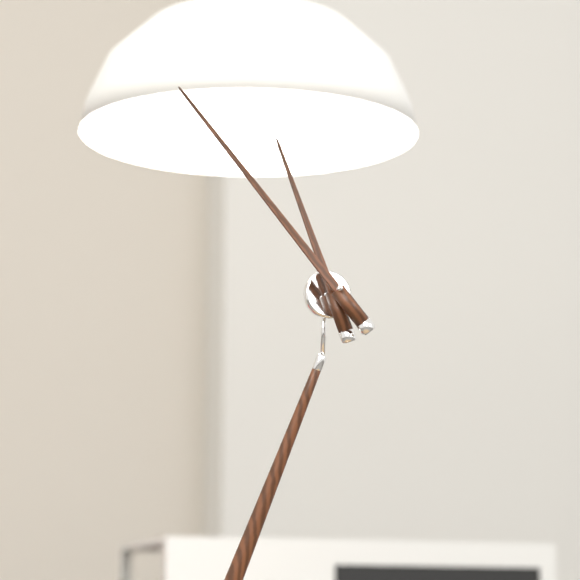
10:51
